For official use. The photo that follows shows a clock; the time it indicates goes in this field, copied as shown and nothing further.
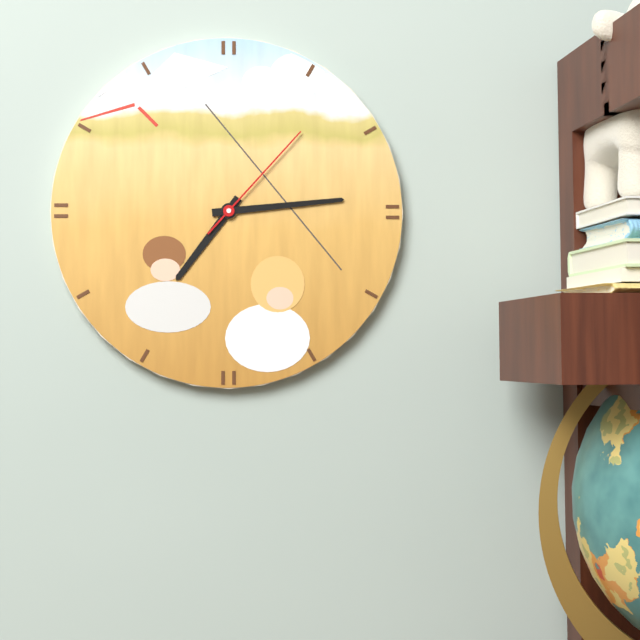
7:14:07
